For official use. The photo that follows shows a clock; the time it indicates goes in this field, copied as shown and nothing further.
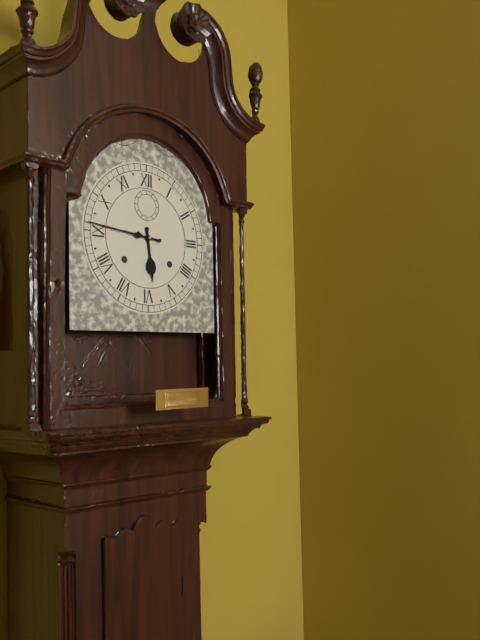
5:46
